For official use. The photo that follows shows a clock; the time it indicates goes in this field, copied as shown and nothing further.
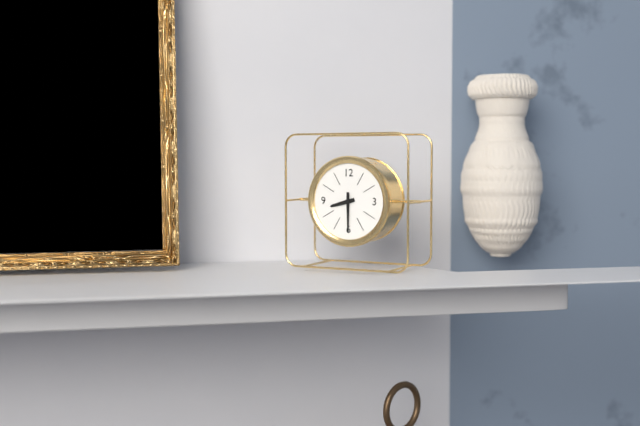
8:30
